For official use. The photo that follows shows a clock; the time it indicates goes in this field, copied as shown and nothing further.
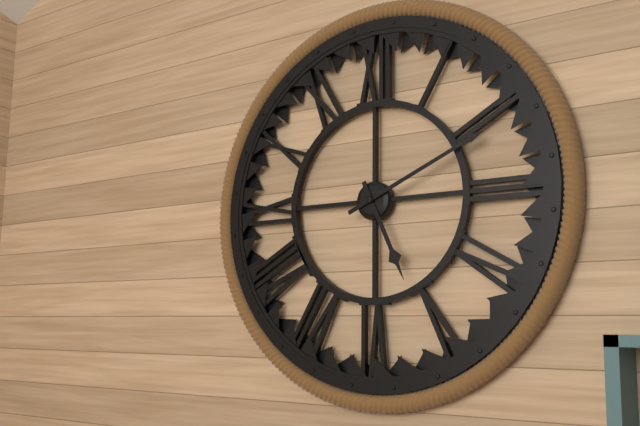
5:11
